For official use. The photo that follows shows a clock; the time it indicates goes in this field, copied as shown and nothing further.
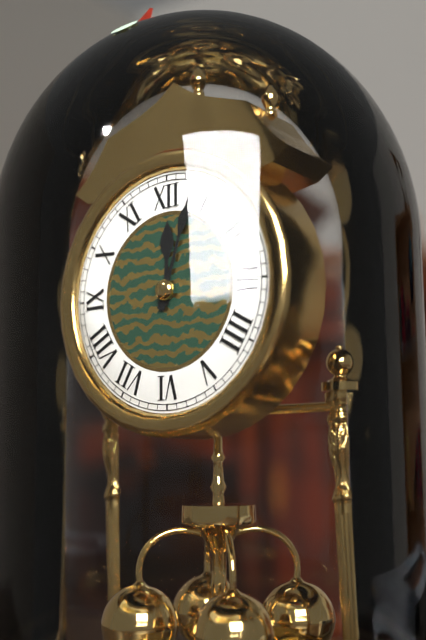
12:03
